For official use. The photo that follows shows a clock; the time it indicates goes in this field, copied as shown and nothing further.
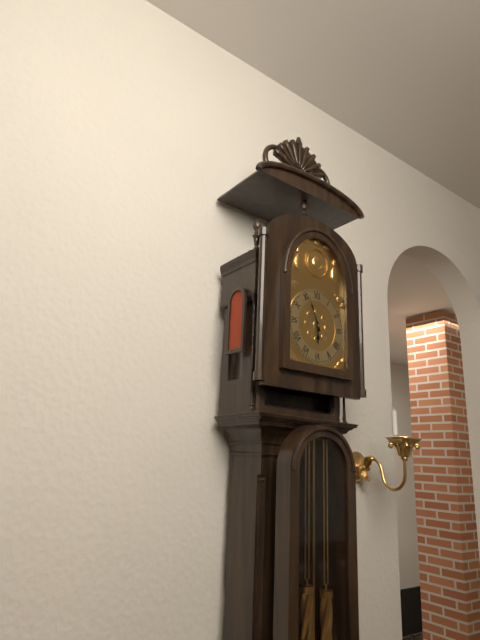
5:56
